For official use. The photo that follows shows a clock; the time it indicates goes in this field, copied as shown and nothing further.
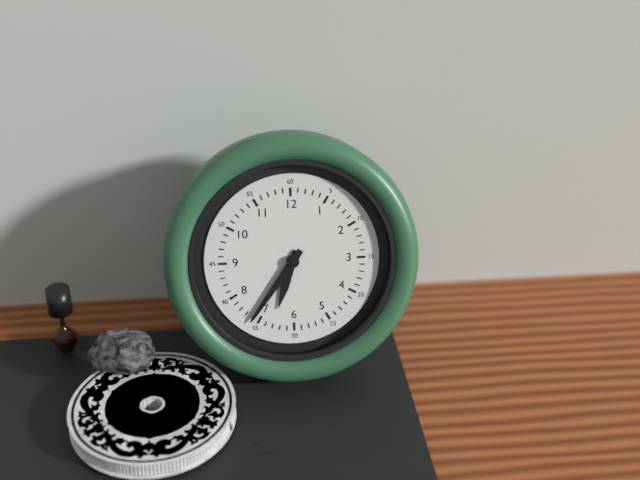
6:36
